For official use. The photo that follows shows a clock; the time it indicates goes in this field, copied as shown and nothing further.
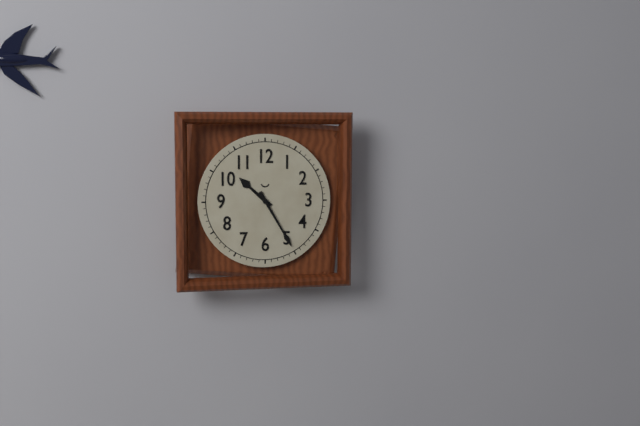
10:25
